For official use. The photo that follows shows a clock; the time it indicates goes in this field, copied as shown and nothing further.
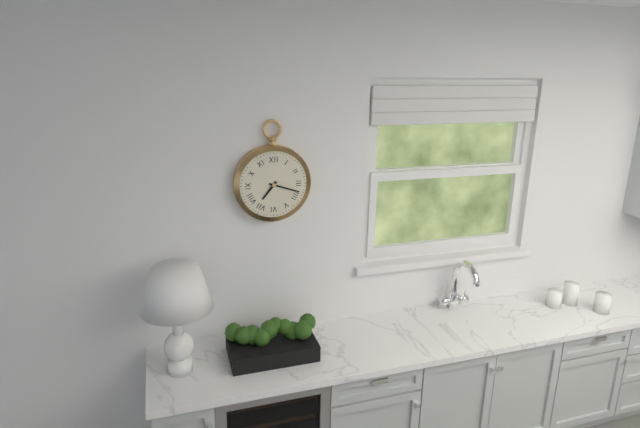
7:18
